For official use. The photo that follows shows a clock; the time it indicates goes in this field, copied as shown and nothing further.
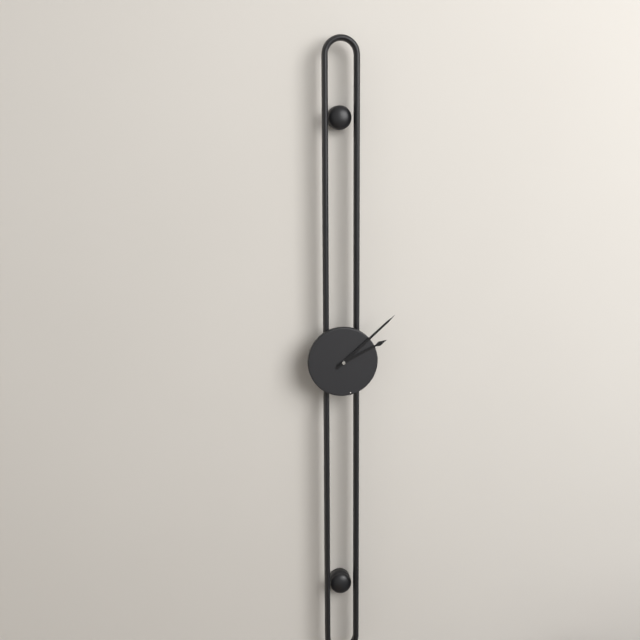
2:08
